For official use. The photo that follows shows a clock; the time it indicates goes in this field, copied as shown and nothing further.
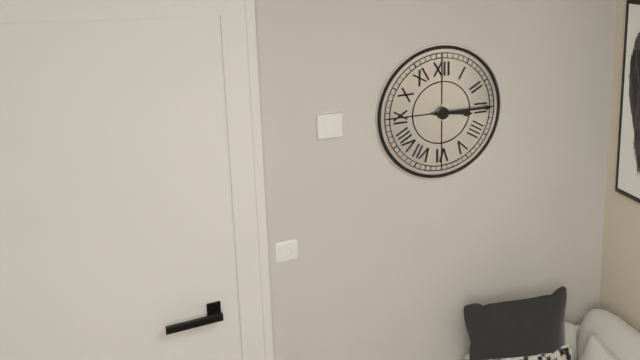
3:15
